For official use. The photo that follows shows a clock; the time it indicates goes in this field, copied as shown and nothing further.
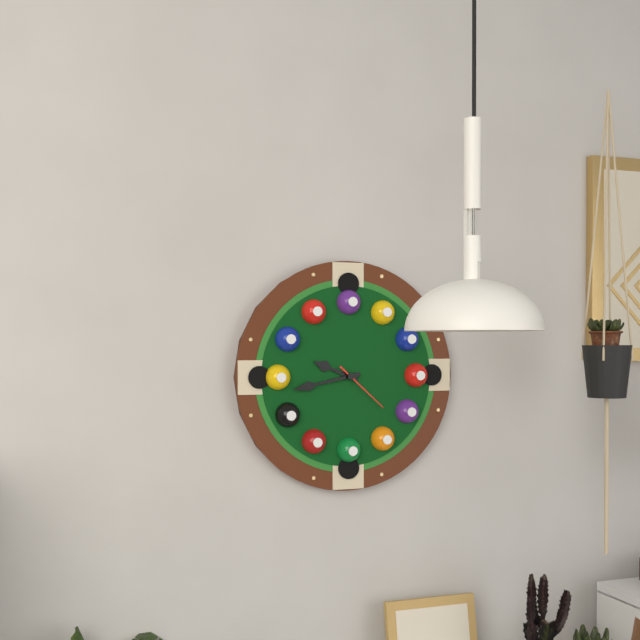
9:43:22
